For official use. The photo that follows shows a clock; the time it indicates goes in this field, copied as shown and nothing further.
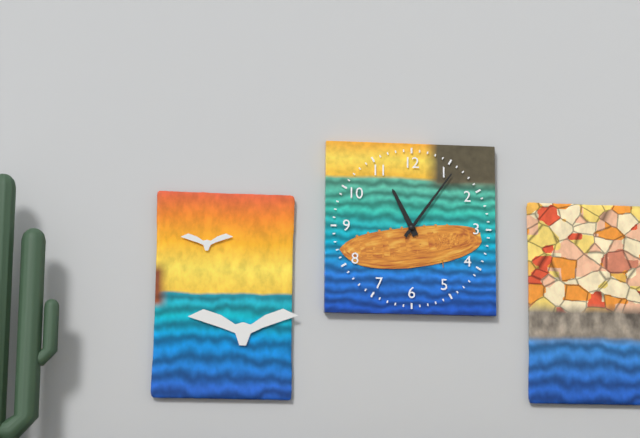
11:06
